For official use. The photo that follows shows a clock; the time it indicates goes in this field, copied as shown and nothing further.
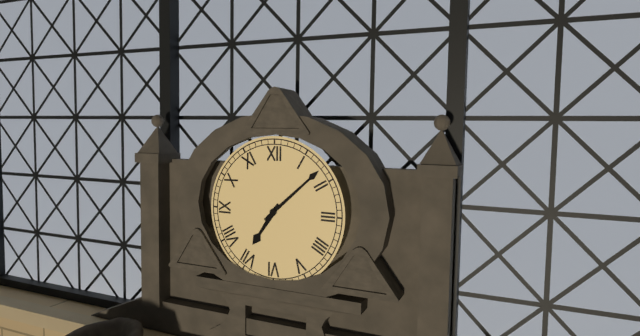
7:08
